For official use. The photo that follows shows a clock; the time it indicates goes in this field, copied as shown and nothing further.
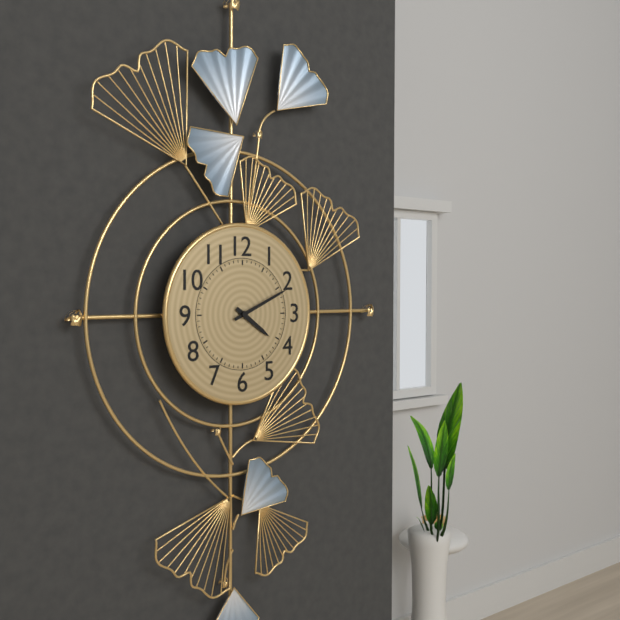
4:11
